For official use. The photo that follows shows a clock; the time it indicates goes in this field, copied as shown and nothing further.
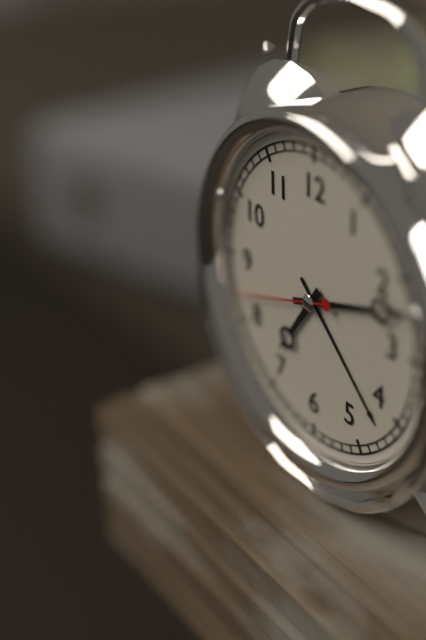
7:12:42
